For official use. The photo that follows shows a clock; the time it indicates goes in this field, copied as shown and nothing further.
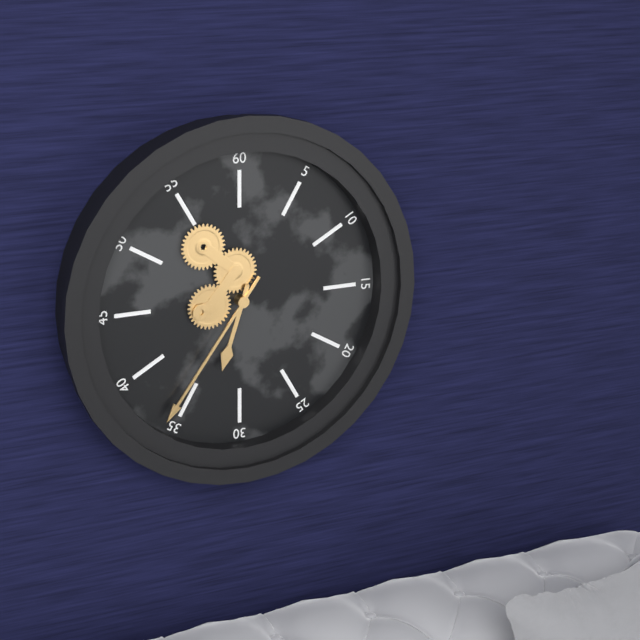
6:36
